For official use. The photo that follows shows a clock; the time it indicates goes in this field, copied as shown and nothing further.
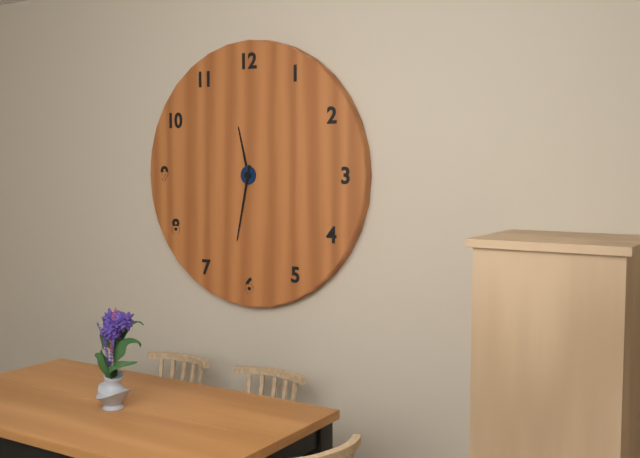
11:32
